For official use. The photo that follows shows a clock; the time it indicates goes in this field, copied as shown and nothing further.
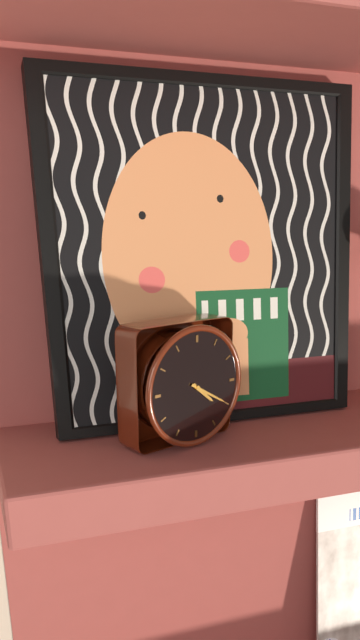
4:20
